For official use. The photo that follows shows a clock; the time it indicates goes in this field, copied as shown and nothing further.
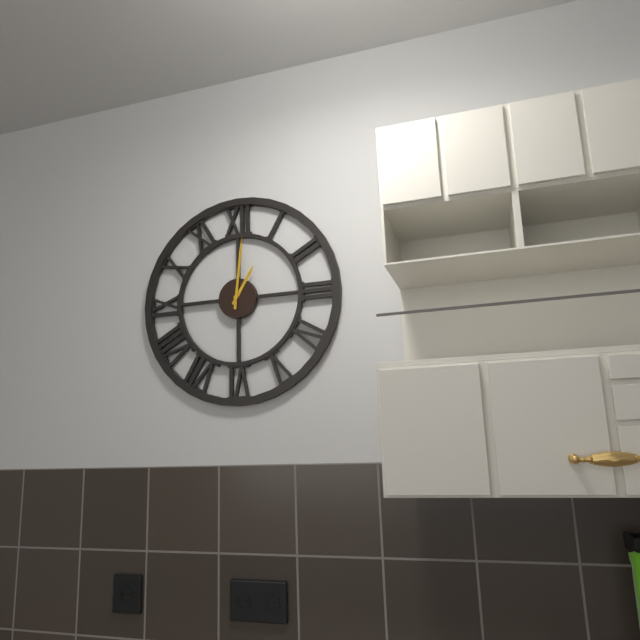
1:01
